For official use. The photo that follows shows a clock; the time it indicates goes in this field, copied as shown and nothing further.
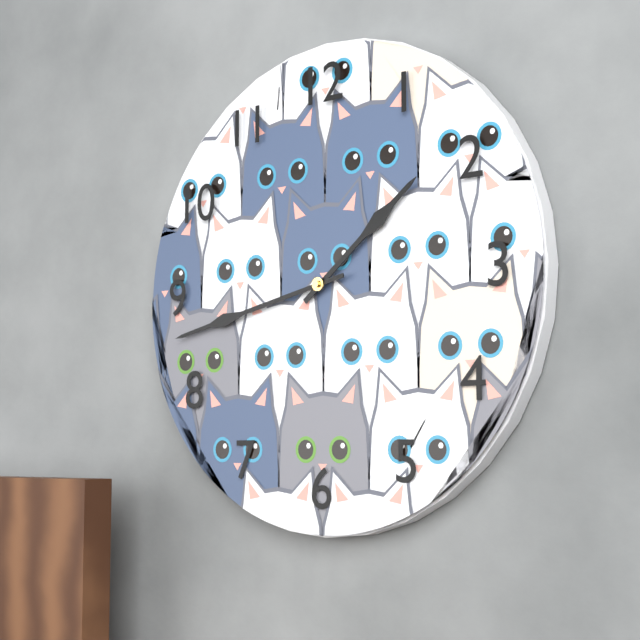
1:43
